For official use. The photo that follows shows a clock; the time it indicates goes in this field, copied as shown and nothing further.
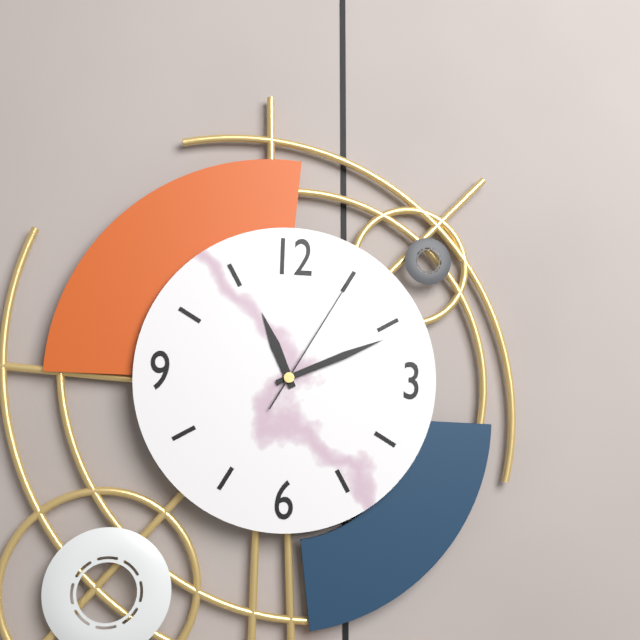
11:11:05
